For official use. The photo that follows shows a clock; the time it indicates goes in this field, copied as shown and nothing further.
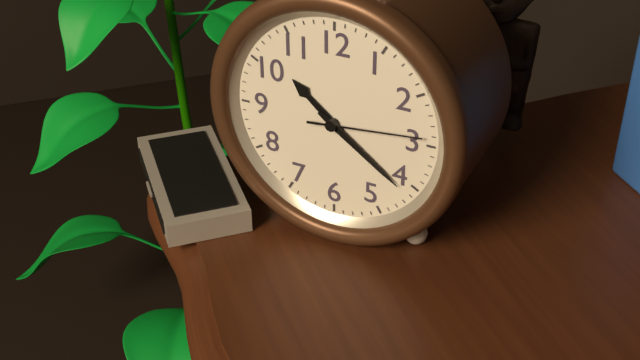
10:21:14
